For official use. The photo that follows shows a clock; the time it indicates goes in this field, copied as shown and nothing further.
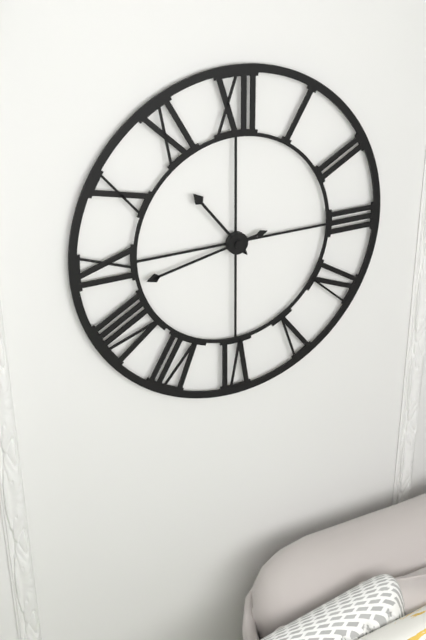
10:43
